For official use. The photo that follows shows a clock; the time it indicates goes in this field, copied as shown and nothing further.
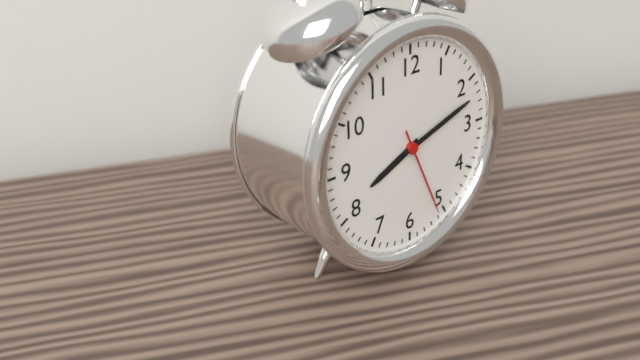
8:12:26
